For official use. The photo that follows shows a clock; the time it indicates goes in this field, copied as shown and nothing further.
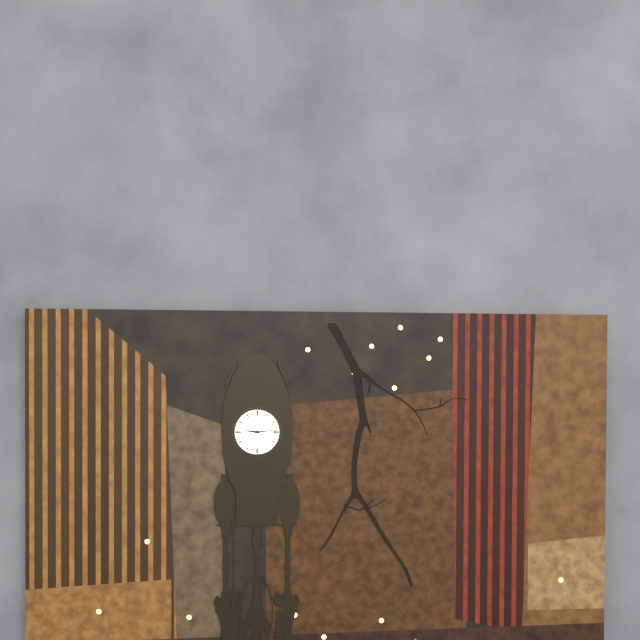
9:14
